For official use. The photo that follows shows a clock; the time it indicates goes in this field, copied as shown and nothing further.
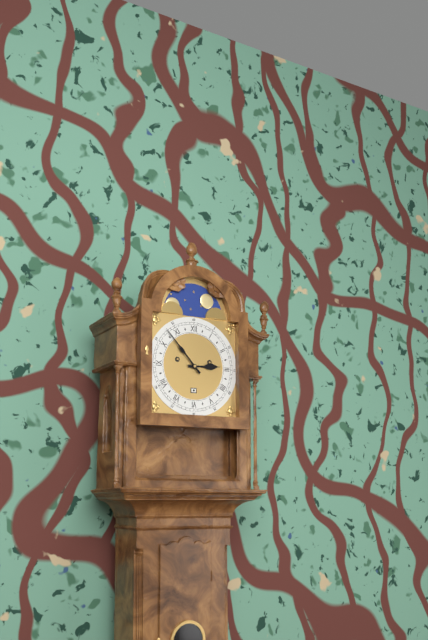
2:53
